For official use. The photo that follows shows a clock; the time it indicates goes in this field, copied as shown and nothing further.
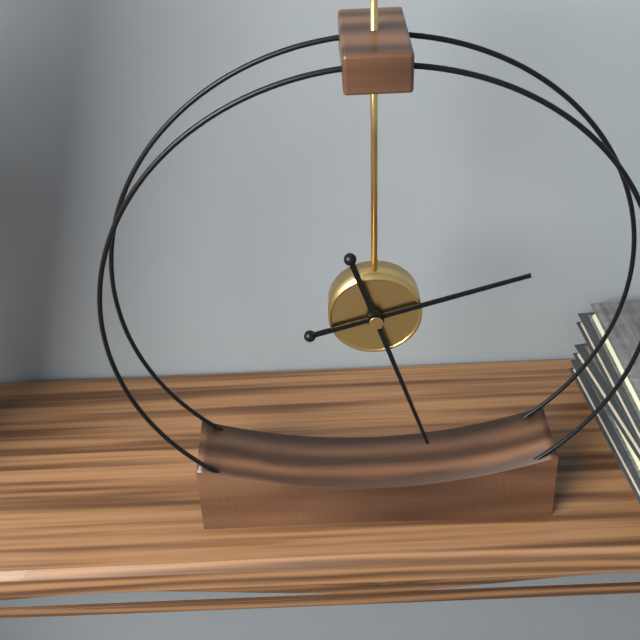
2:27
